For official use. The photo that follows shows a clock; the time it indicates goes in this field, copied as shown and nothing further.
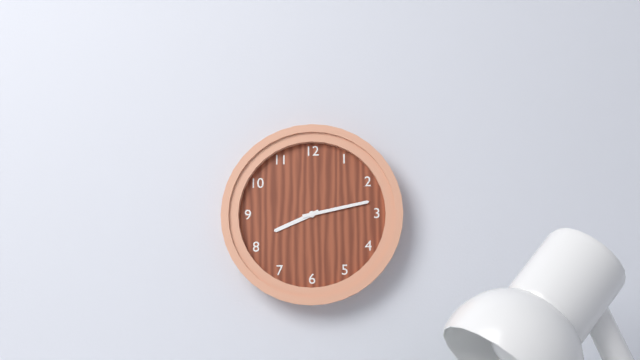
8:13
